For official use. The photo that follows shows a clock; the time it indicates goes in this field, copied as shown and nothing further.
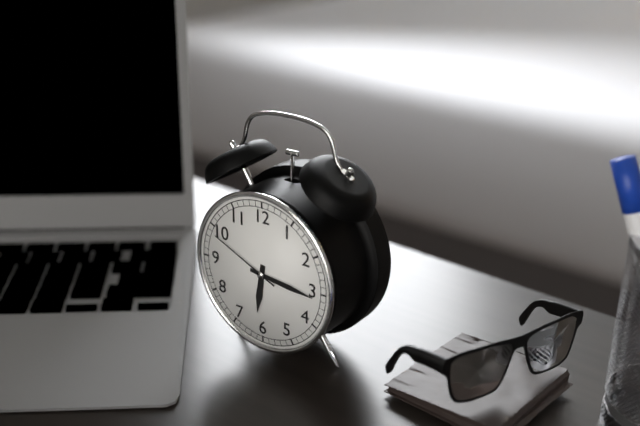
6:16:49
